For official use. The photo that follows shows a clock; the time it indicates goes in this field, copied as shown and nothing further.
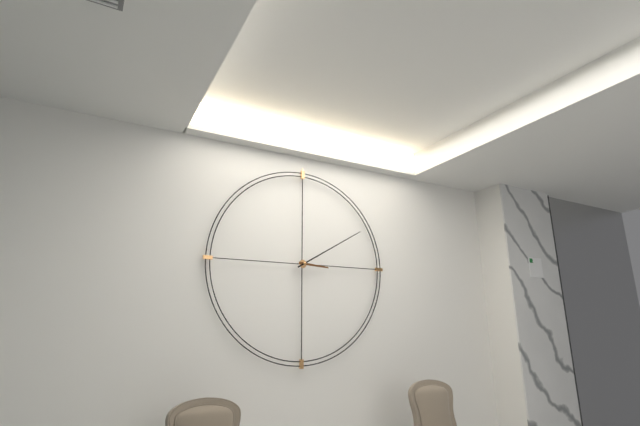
3:10
